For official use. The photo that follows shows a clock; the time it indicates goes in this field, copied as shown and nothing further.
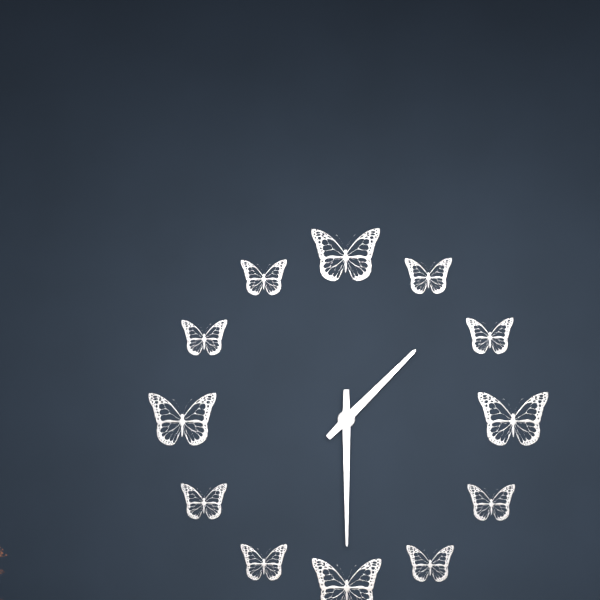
1:30
